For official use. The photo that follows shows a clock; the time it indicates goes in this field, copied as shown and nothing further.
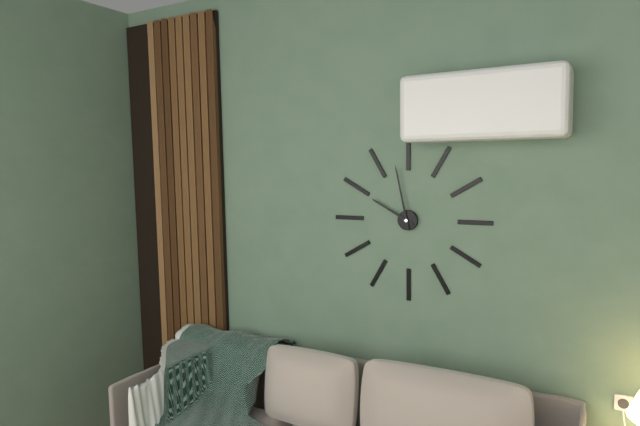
9:58
